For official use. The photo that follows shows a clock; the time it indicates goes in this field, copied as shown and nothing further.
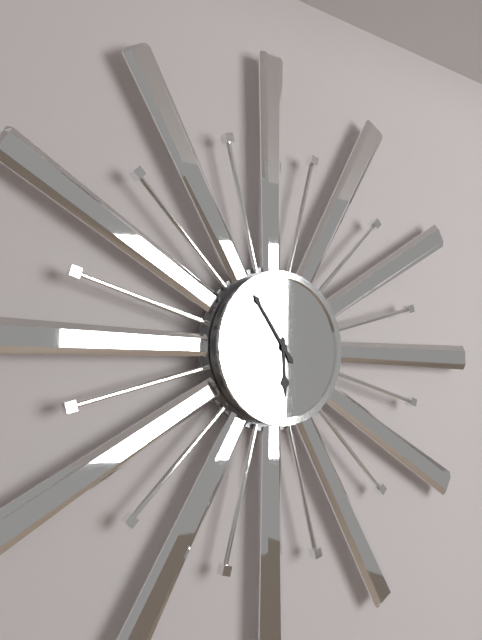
5:54
